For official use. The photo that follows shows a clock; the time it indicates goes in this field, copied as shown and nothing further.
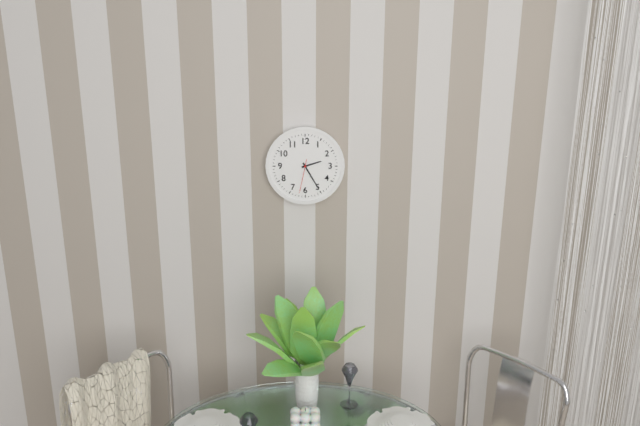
2:25
